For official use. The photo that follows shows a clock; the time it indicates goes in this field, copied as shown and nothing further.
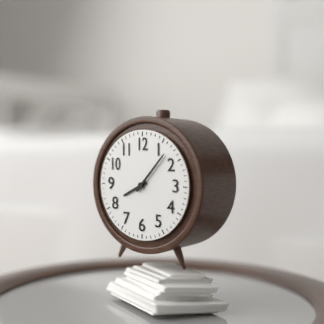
8:07
